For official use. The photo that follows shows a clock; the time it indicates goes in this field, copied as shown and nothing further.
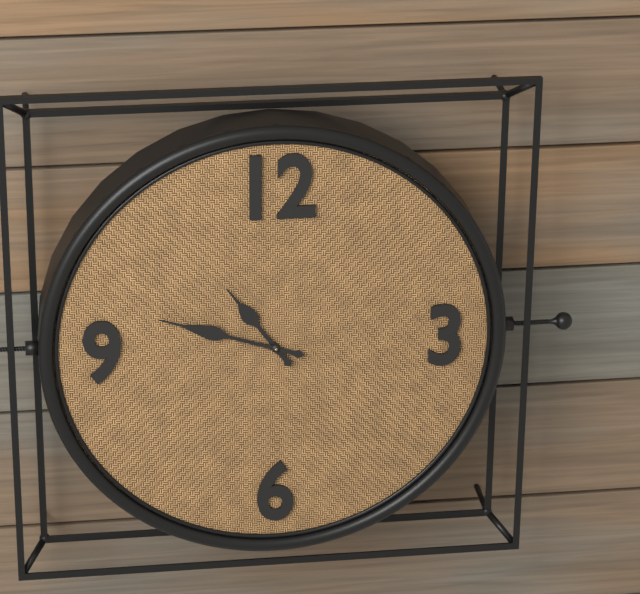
10:48
